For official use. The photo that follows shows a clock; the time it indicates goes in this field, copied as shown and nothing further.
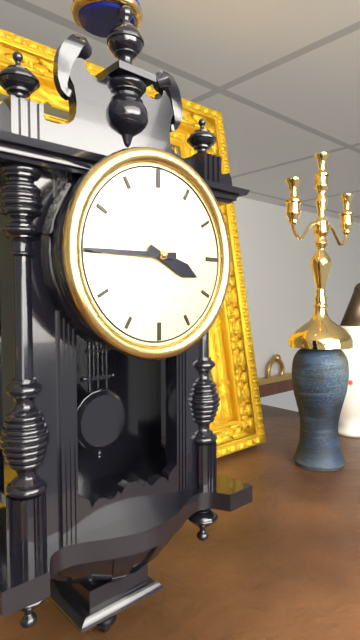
3:45
